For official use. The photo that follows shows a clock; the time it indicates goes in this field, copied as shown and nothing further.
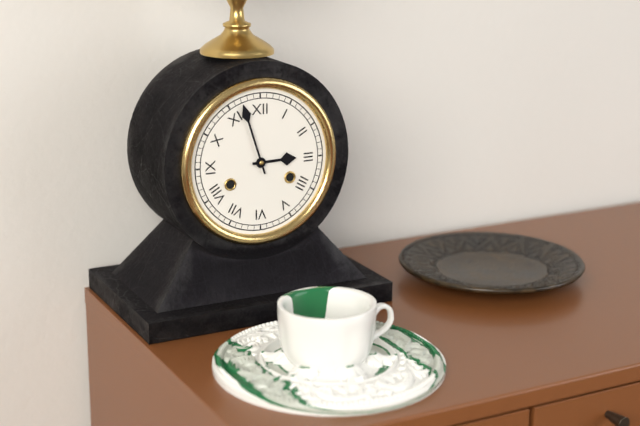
2:57
